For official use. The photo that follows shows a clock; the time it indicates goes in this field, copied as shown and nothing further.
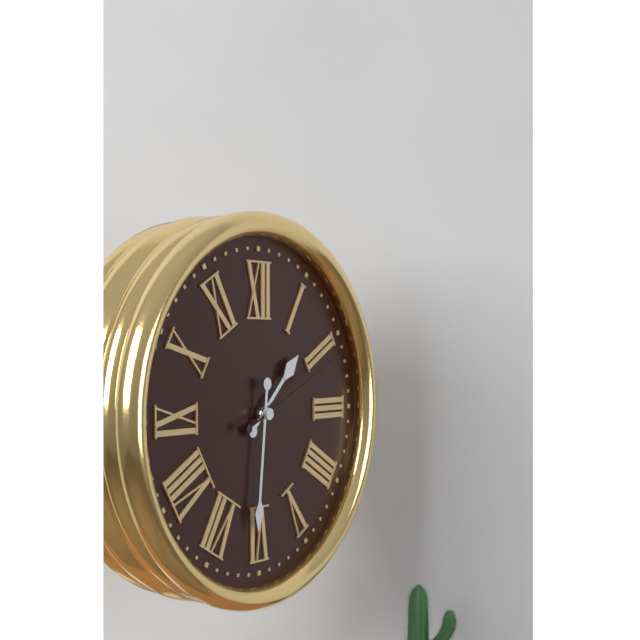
1:31:11
